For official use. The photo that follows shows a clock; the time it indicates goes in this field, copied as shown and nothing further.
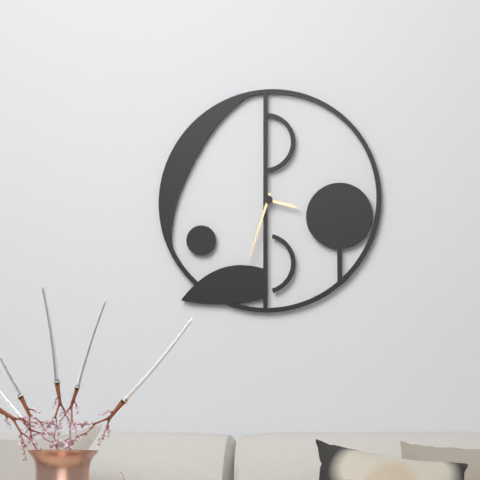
3:33
